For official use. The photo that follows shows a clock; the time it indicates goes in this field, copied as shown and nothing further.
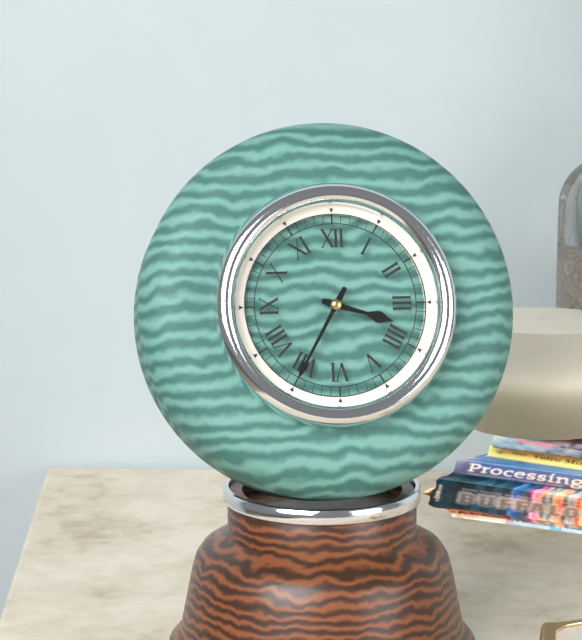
3:35
